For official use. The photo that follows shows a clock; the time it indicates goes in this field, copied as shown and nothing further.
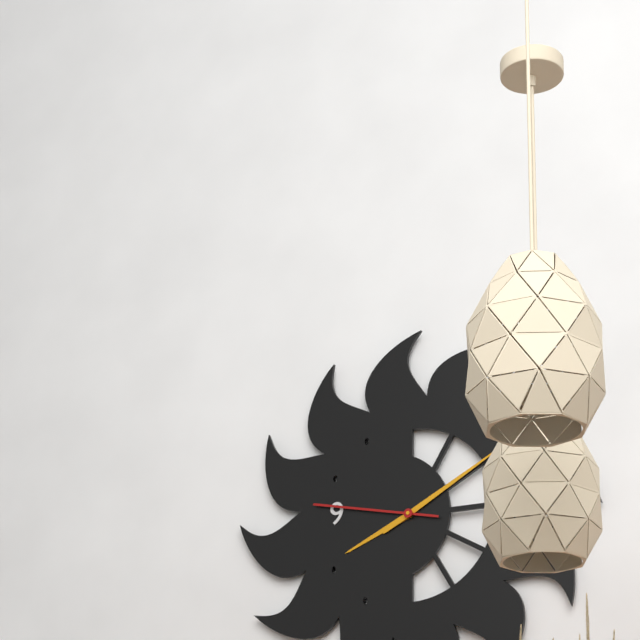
8:10:47
